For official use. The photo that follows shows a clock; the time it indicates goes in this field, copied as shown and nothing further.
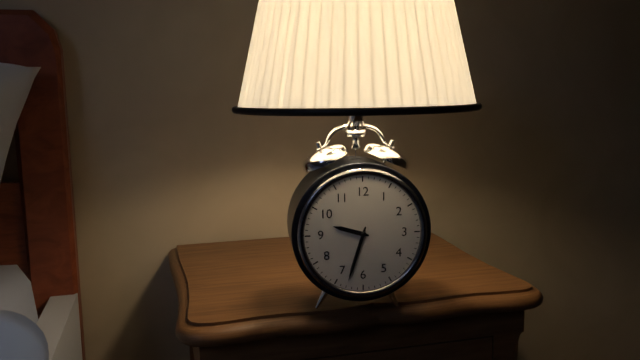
9:33
